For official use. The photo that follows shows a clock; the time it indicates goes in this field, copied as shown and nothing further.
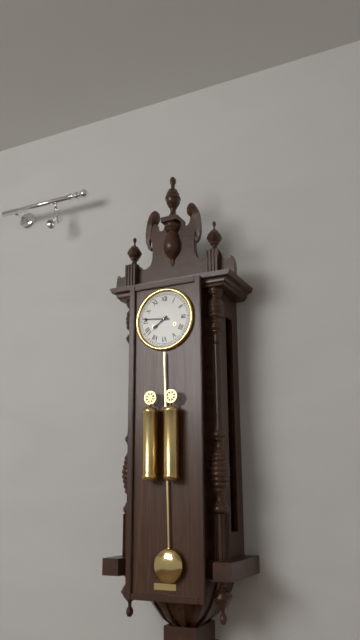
7:46
